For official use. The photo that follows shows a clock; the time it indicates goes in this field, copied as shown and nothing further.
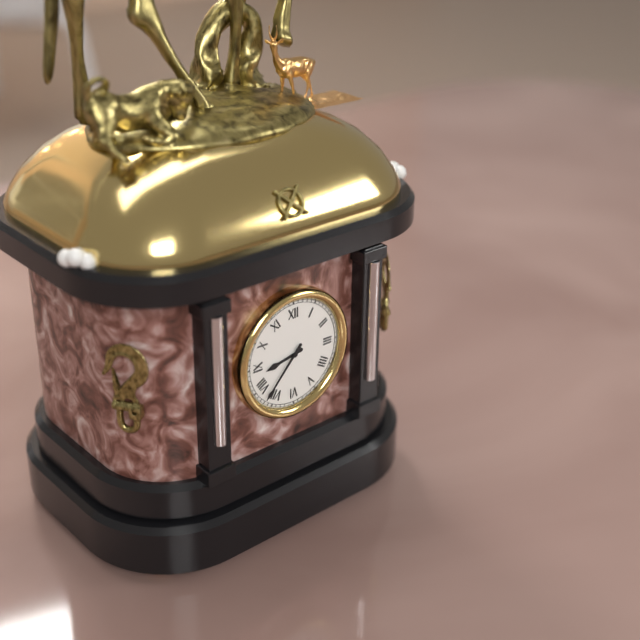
8:37
